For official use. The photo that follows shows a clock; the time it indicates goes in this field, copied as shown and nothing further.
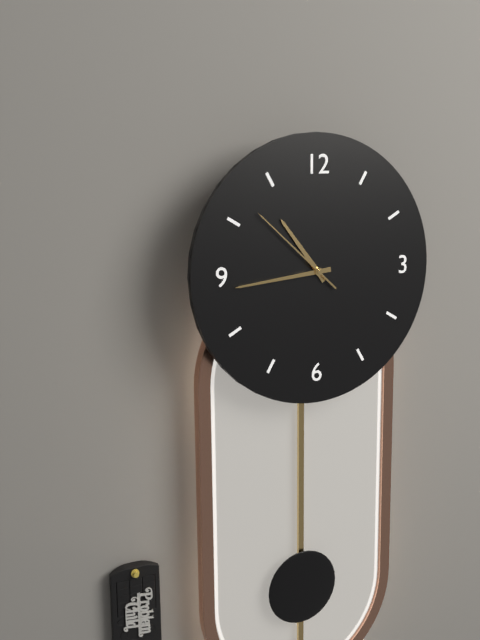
10:44:52
